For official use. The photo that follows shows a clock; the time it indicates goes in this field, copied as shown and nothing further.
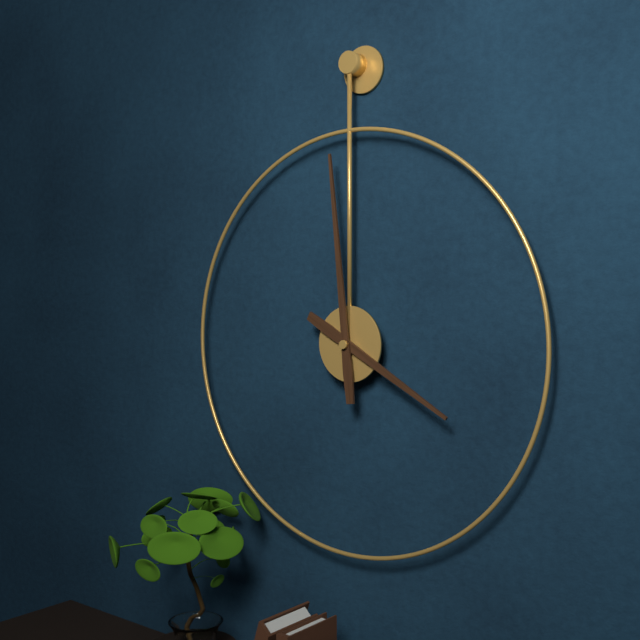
3:59
